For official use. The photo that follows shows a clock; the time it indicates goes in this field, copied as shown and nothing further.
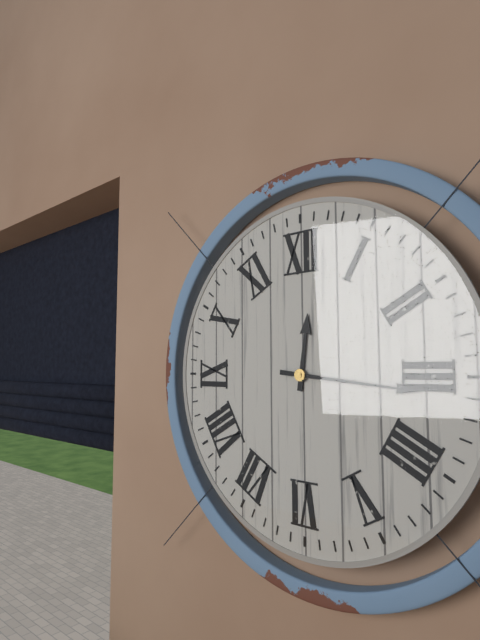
12:16
